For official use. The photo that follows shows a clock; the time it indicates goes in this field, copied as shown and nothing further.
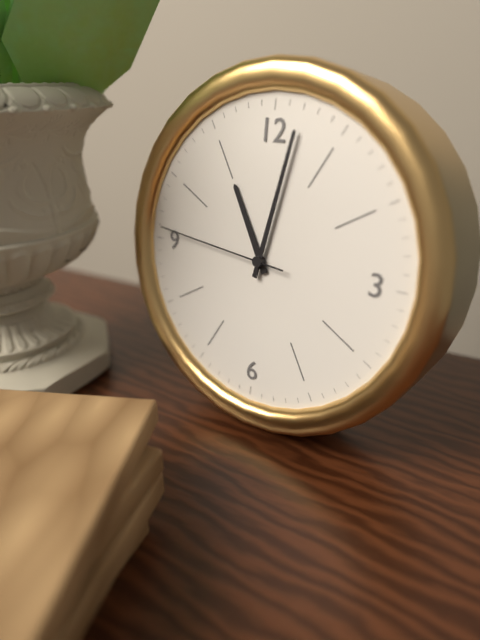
11:02:46
